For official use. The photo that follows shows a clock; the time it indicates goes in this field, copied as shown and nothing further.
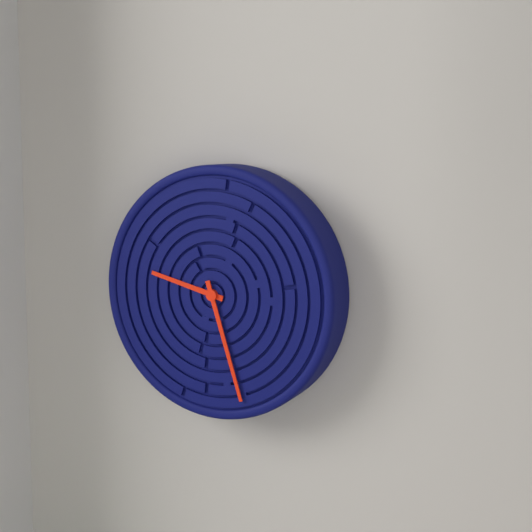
9:27
